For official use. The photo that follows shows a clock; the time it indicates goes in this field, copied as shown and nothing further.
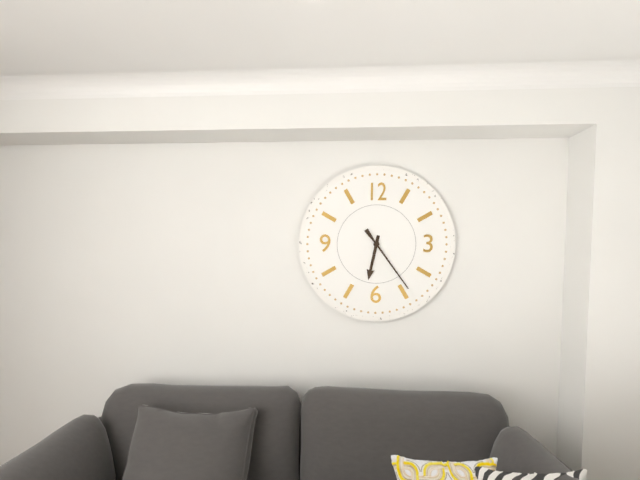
6:24
